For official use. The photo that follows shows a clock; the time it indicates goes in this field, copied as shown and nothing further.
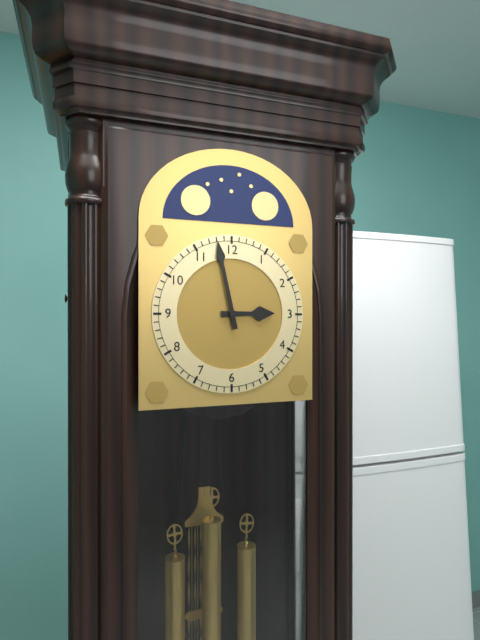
2:58
